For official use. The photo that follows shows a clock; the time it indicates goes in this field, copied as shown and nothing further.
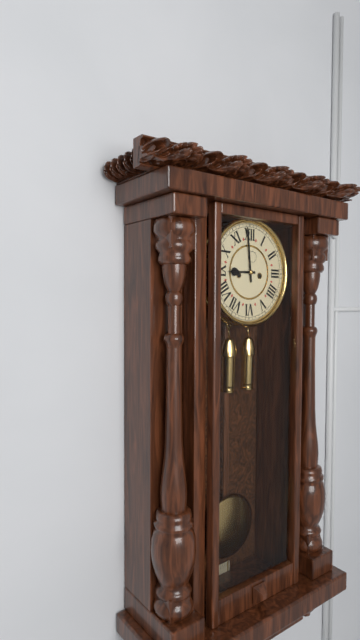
8:59
